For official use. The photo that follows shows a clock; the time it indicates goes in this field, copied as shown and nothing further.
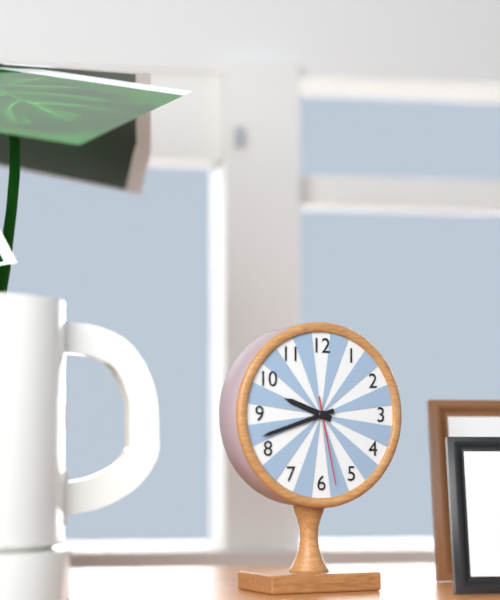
9:42:28
